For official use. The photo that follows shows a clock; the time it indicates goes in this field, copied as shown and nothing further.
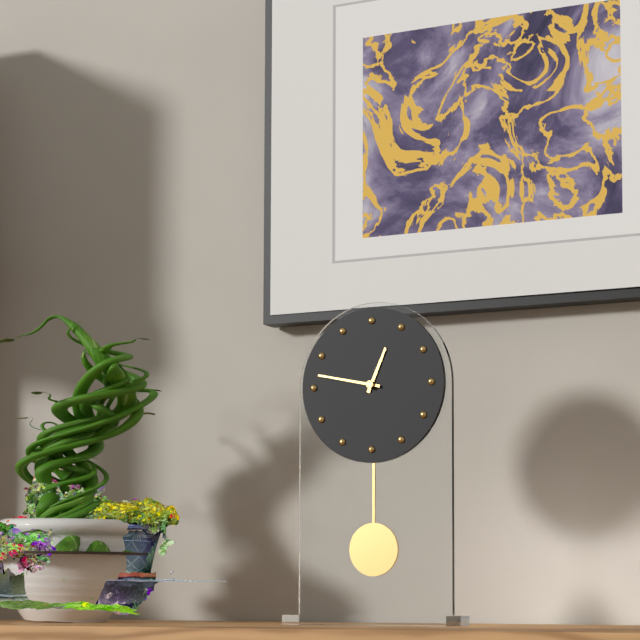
12:47
